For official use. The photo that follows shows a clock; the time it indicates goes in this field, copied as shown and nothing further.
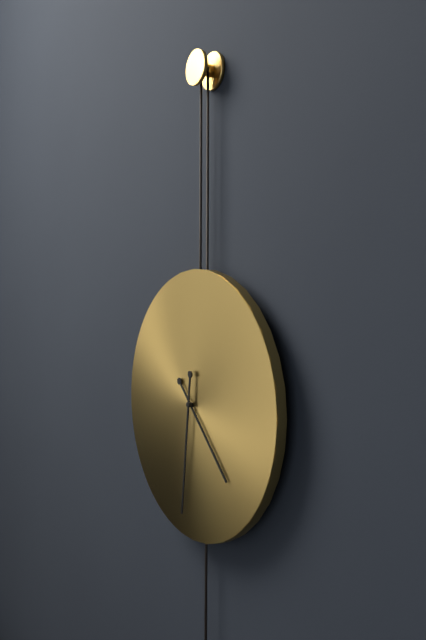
4:31
